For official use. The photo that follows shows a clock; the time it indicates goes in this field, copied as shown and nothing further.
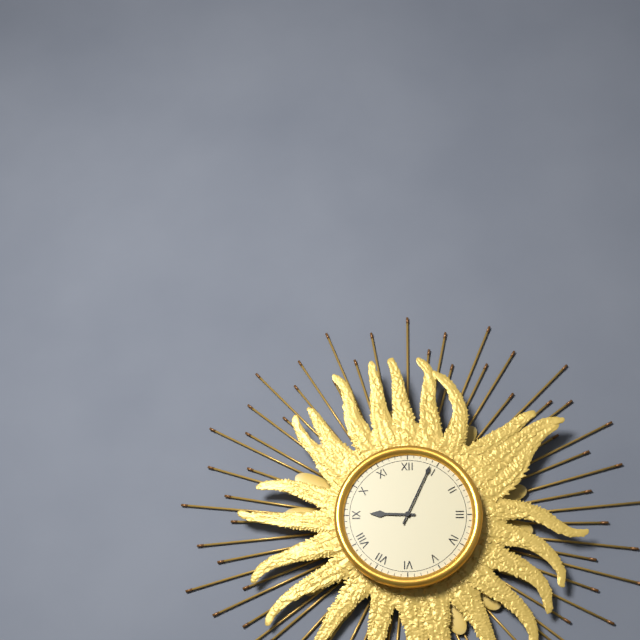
9:04
